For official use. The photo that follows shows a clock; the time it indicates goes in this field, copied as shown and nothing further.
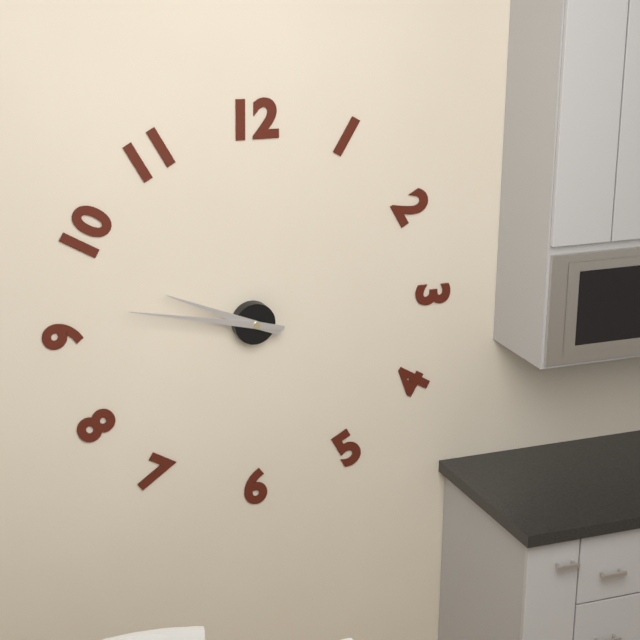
9:47
